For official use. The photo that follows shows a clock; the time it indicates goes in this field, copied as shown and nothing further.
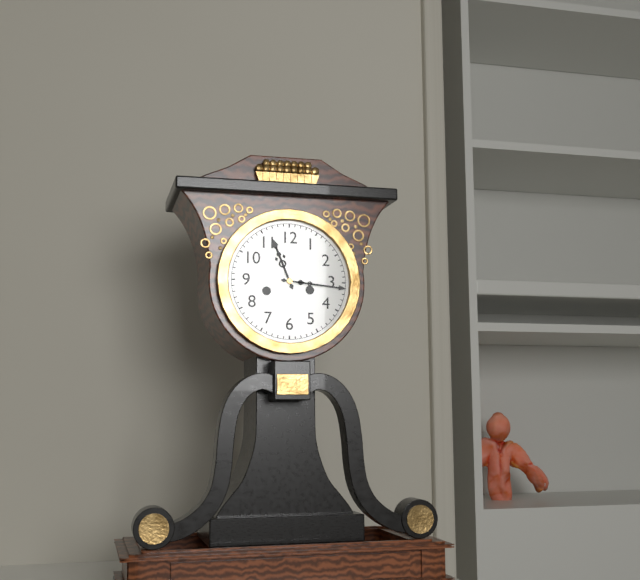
11:16
